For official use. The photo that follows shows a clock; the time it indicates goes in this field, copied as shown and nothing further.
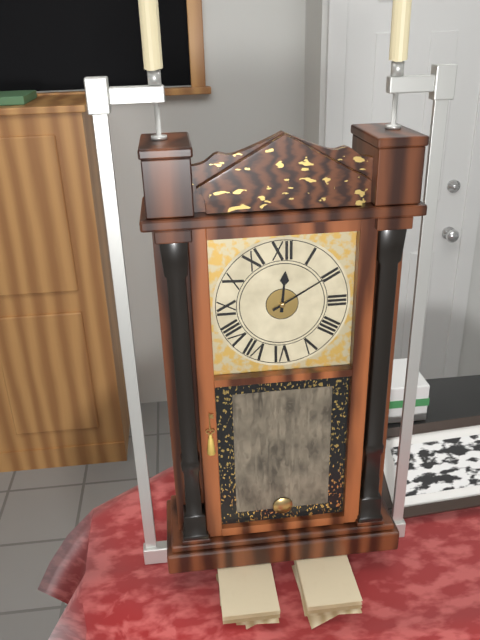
12:10
